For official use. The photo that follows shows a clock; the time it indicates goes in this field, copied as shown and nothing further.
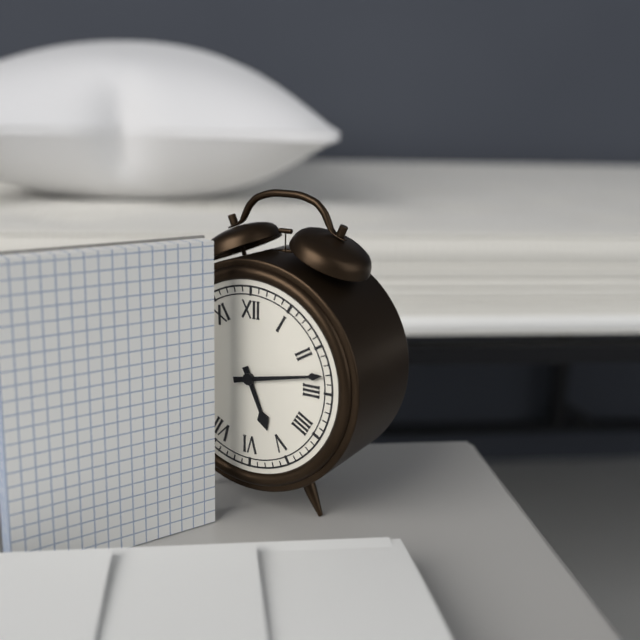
5:13
